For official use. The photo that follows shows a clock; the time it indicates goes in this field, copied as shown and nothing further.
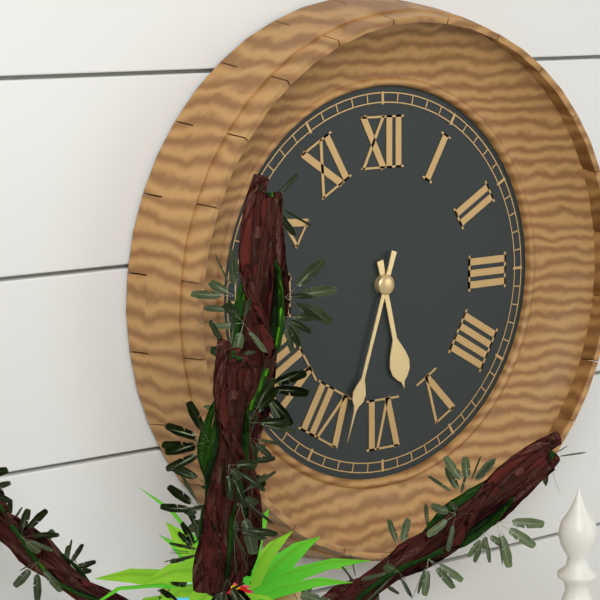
5:33
